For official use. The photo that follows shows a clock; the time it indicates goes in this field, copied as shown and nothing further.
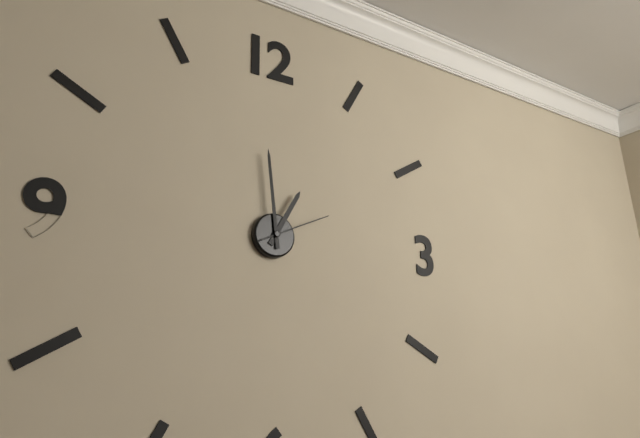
12:59:11
